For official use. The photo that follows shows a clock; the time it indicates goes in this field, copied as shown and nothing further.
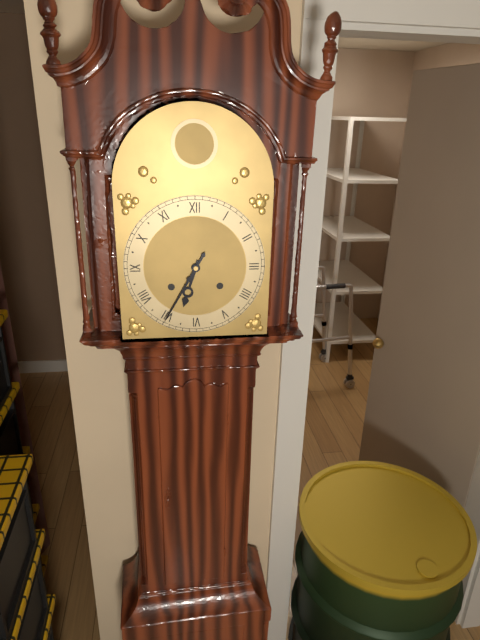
6:35
